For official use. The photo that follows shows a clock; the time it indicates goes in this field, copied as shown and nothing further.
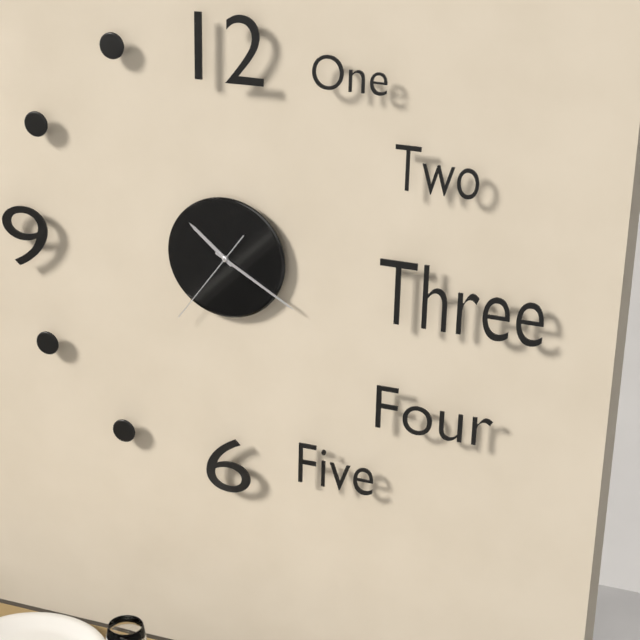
10:20:36
